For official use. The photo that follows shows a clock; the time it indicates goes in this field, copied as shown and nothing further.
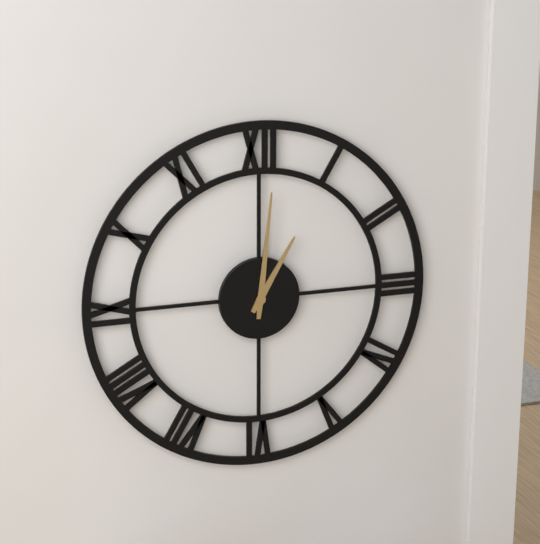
1:01
